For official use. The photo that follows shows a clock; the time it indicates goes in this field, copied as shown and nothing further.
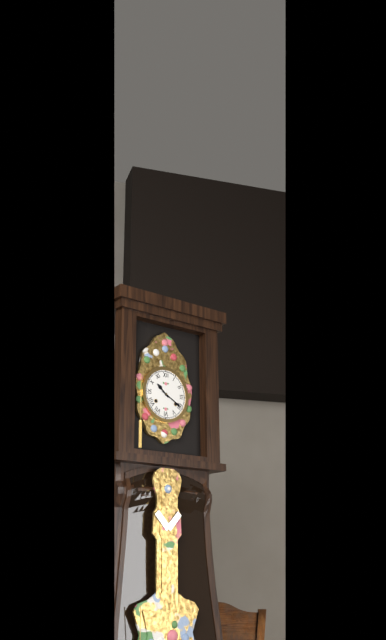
10:20
